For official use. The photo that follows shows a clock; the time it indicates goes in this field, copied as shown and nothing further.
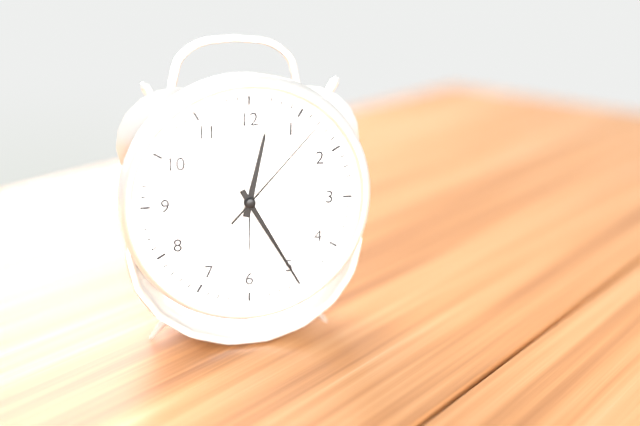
12:25:07
